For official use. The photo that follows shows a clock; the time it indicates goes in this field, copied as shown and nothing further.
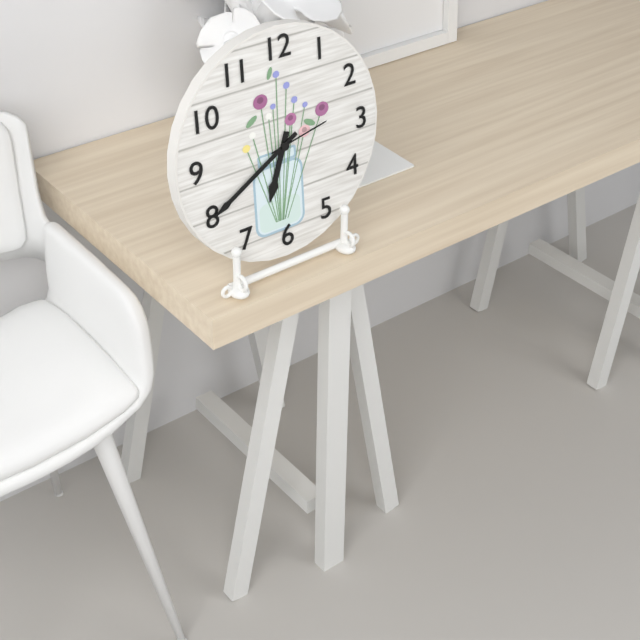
6:40:13
